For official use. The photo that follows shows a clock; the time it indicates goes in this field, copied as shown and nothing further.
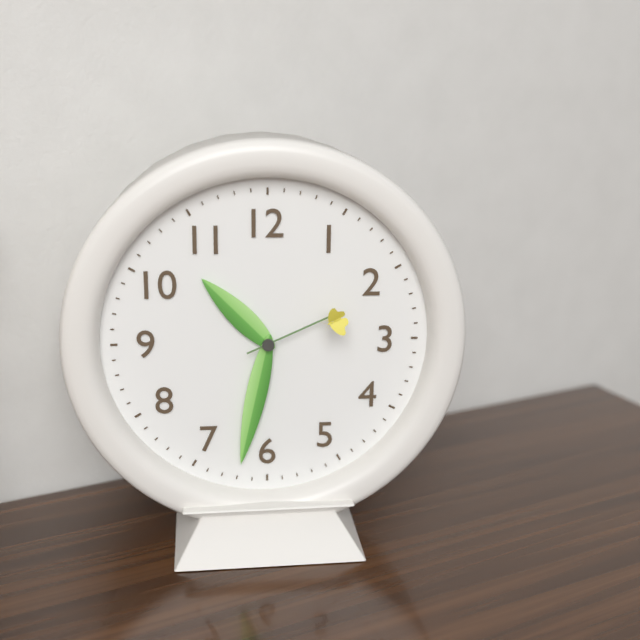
10:32:11
